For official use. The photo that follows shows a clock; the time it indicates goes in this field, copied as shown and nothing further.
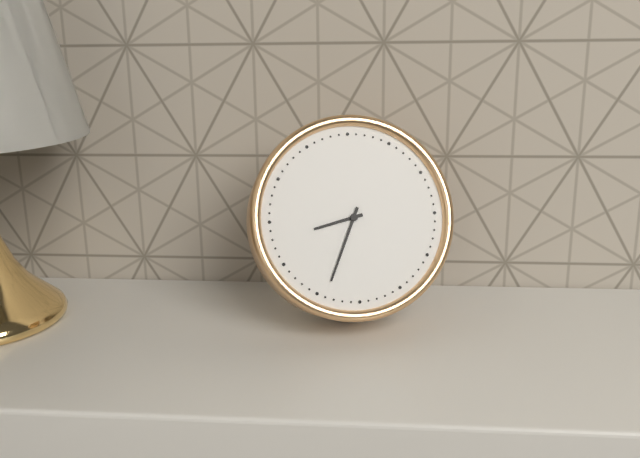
8:34
